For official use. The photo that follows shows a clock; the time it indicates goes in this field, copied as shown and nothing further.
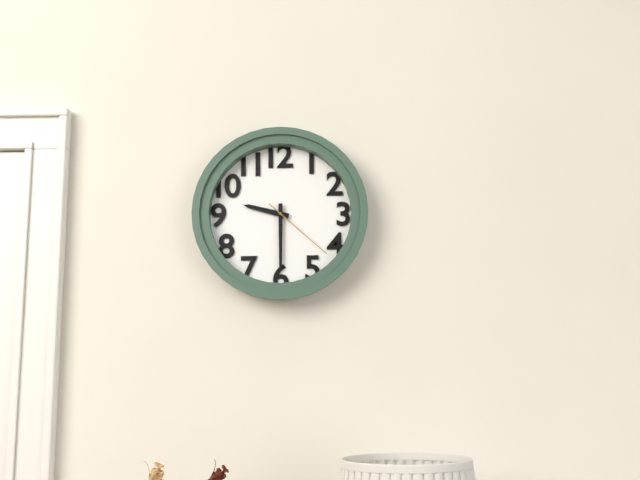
9:30:22
